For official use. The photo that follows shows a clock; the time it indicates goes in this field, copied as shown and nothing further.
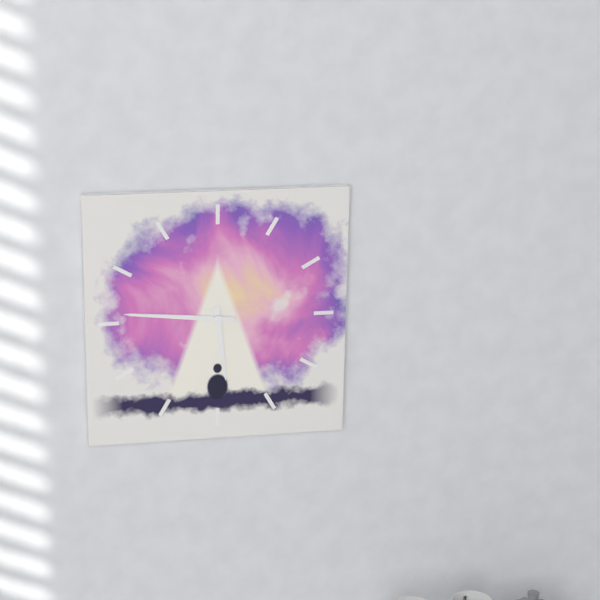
5:46
